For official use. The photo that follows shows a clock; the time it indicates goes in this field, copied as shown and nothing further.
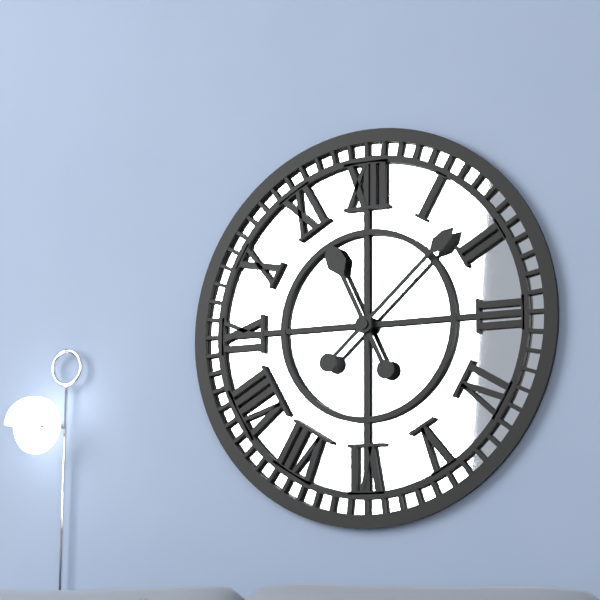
11:08
